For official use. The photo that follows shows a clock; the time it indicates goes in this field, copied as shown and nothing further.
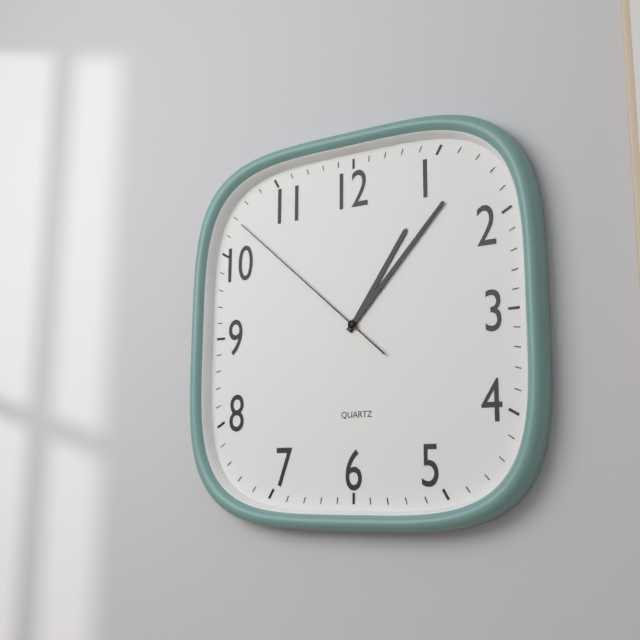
1:07:52
